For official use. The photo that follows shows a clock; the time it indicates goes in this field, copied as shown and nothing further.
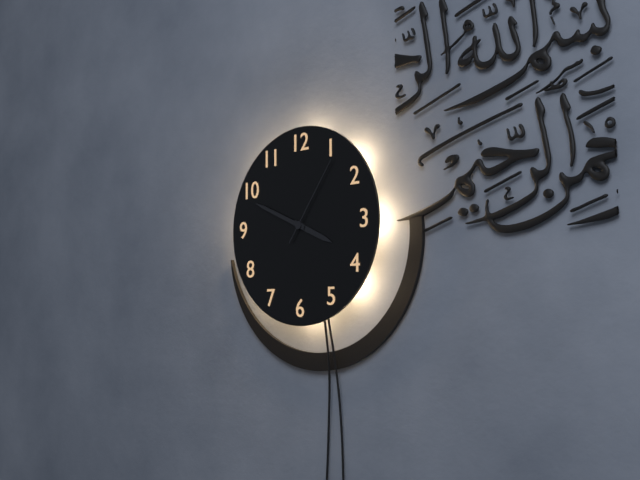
3:49:06
